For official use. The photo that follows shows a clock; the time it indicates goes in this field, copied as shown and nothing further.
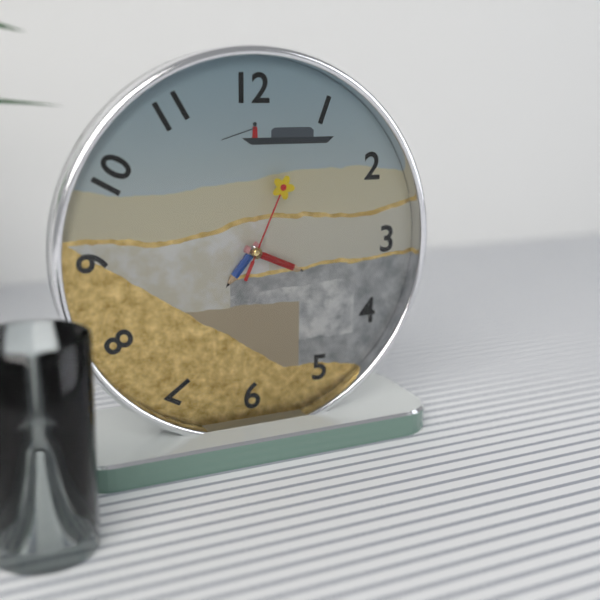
7:19:04
